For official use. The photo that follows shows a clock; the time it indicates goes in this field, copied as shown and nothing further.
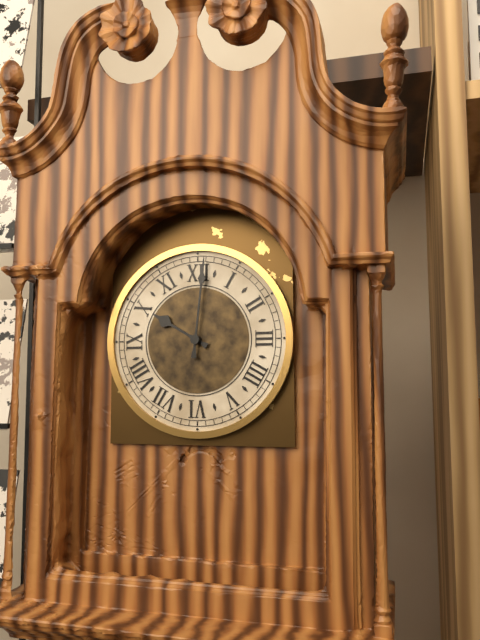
10:01
